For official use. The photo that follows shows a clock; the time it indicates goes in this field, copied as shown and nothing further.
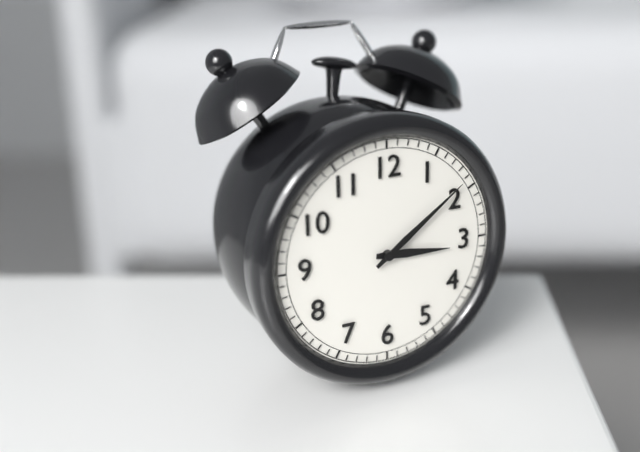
3:09
